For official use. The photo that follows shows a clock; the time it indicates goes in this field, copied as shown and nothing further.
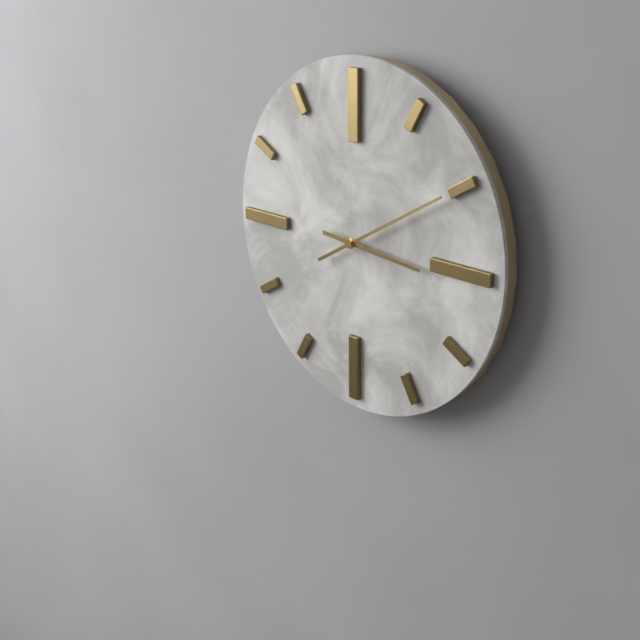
3:10
